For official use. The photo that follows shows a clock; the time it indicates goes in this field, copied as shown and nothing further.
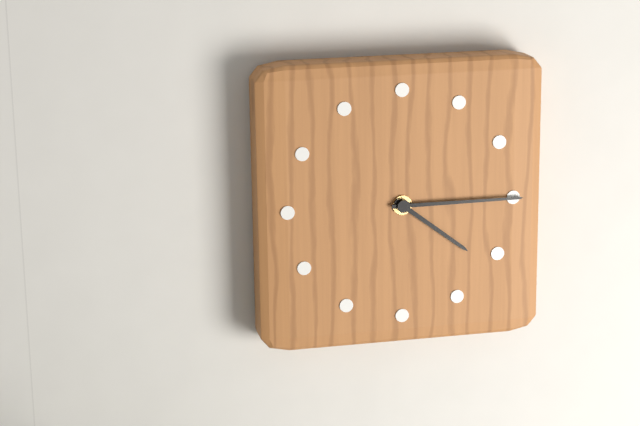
4:15
